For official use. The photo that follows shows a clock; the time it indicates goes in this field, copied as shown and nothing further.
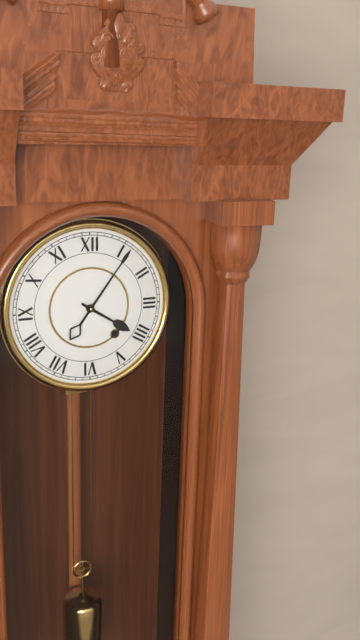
4:06
